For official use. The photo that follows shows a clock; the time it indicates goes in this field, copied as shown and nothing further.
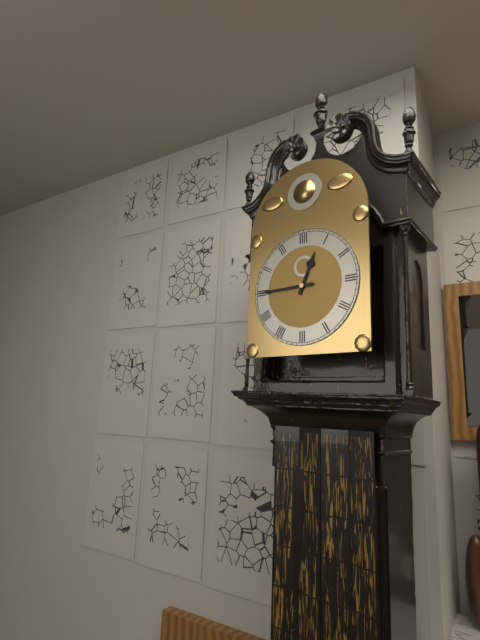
12:45
